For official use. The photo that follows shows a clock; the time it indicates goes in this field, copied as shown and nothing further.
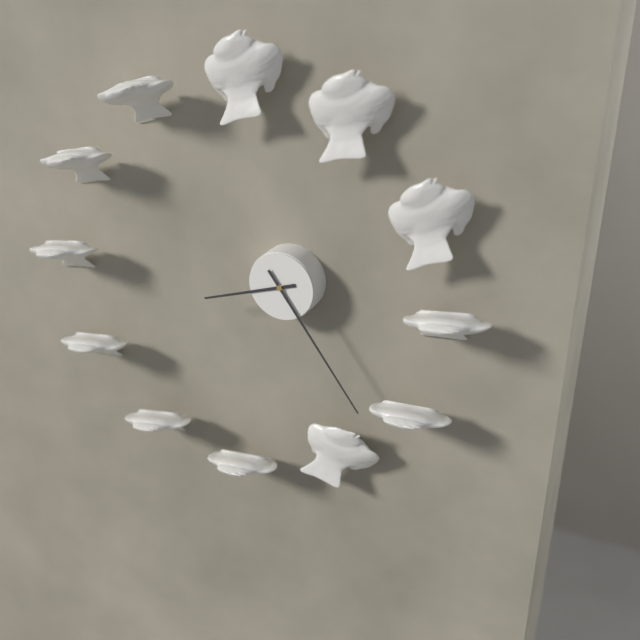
8:24
